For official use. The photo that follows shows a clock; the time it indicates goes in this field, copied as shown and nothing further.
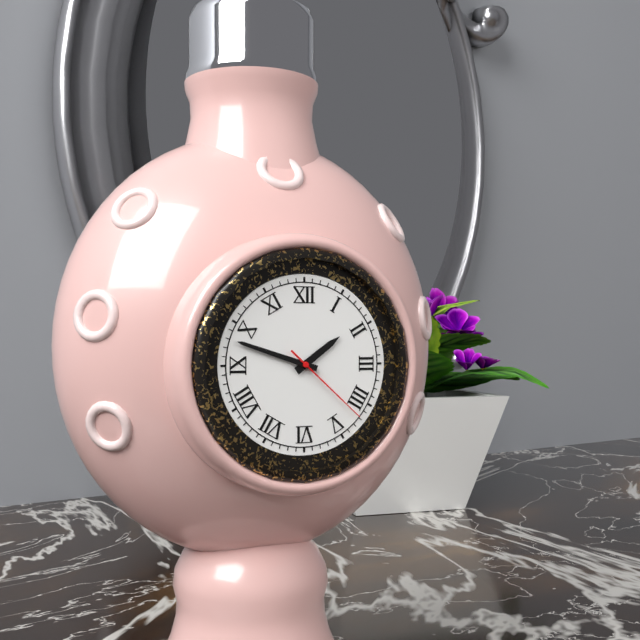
1:48:22
